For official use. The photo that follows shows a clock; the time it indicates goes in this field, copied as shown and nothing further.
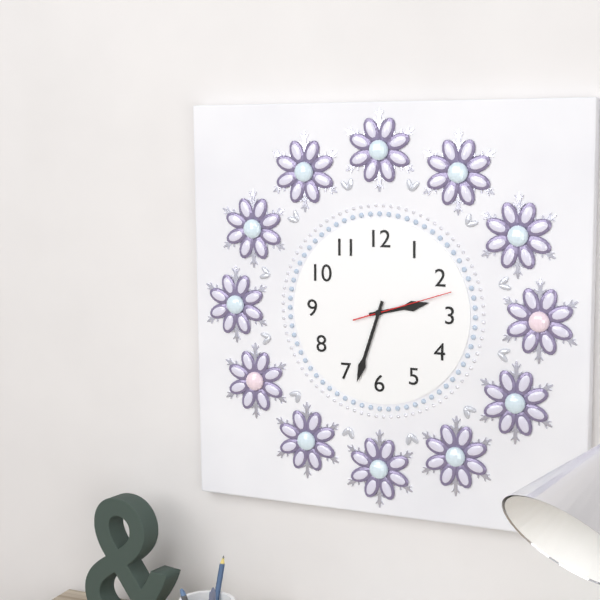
2:33:12
